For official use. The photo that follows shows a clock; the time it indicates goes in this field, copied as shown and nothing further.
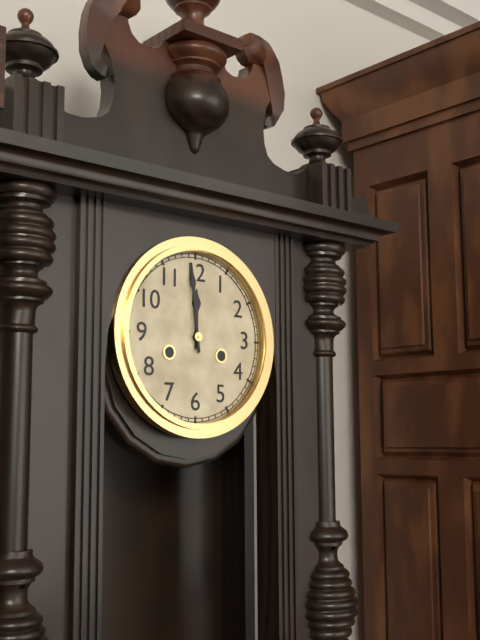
11:59
